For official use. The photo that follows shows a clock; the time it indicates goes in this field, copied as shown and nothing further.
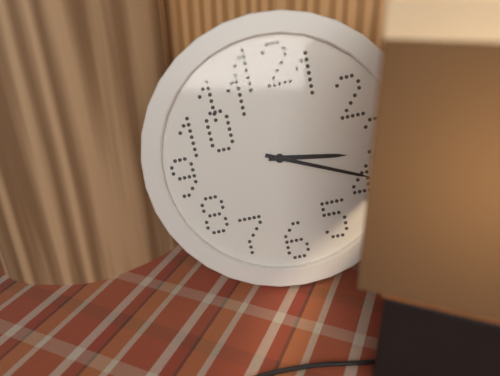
3:19
